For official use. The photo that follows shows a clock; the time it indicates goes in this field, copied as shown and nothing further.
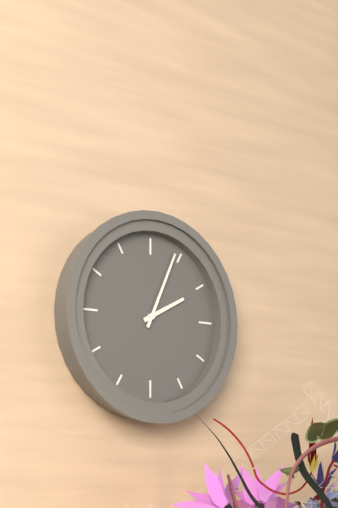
2:04
